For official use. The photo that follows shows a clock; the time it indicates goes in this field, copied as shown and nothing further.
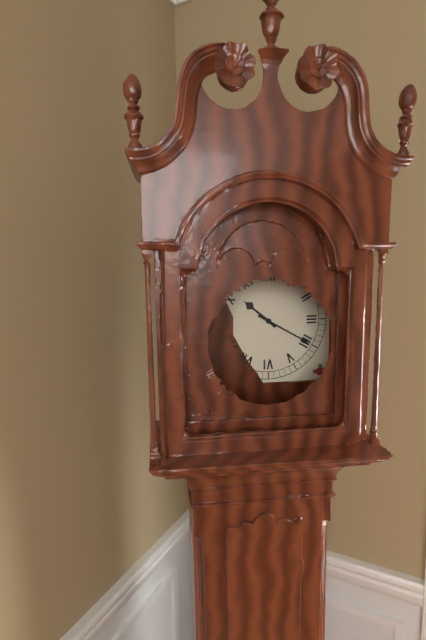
10:20
